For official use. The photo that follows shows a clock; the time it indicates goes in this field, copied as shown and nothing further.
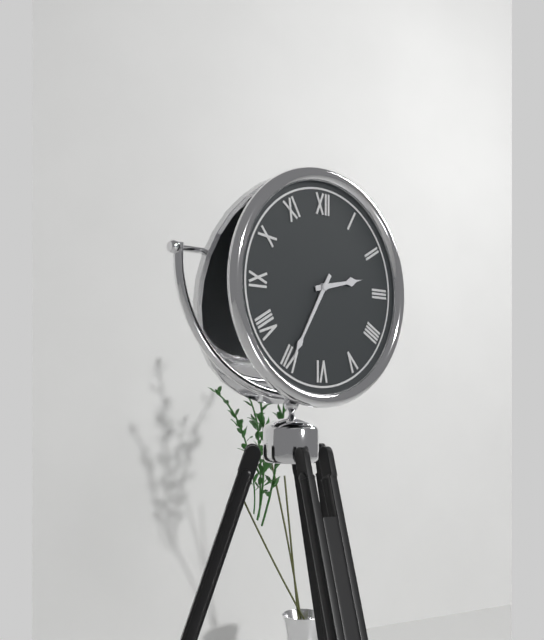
2:35
